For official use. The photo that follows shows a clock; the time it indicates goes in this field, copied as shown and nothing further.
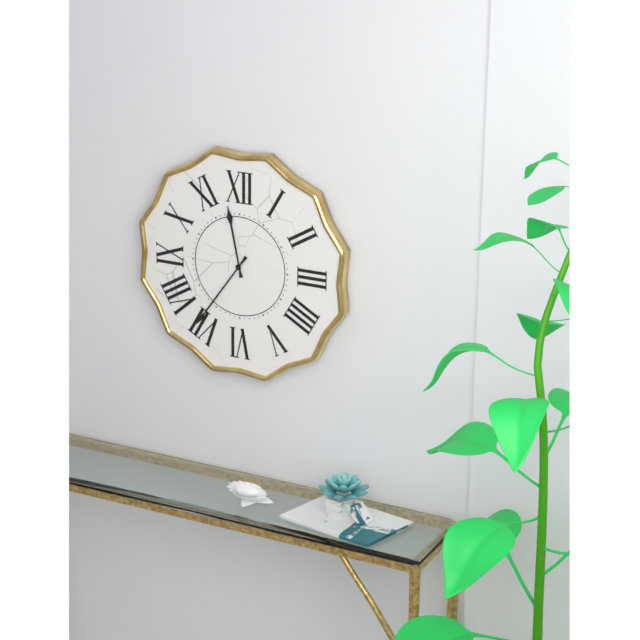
11:36
